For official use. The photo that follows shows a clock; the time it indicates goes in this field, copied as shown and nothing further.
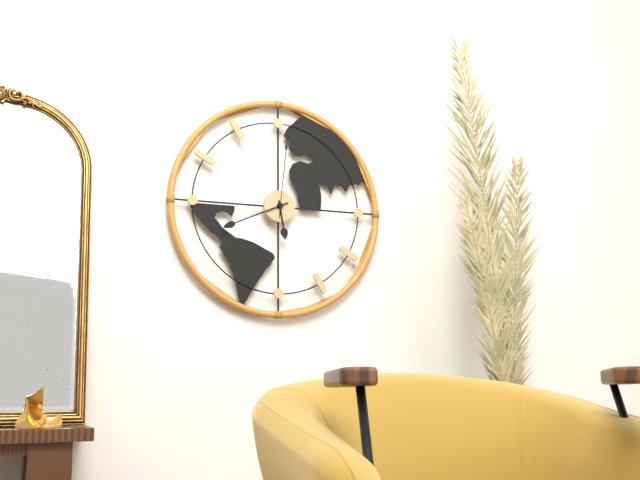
5:41:01
